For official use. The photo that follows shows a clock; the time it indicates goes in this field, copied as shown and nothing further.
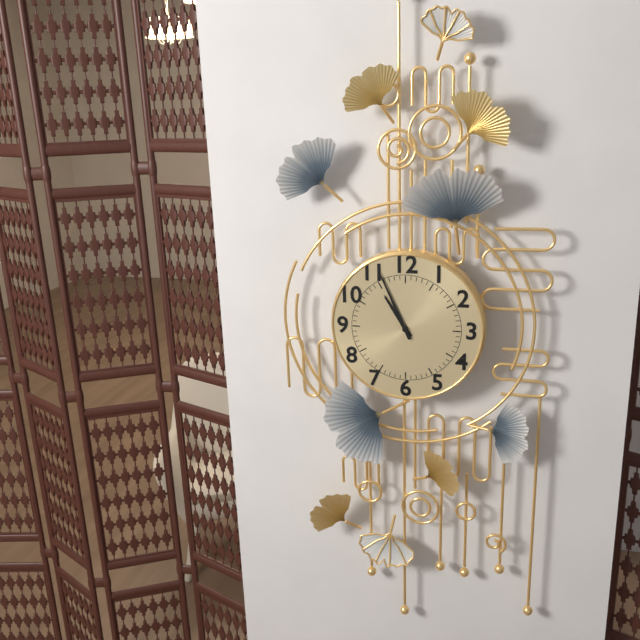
10:56
